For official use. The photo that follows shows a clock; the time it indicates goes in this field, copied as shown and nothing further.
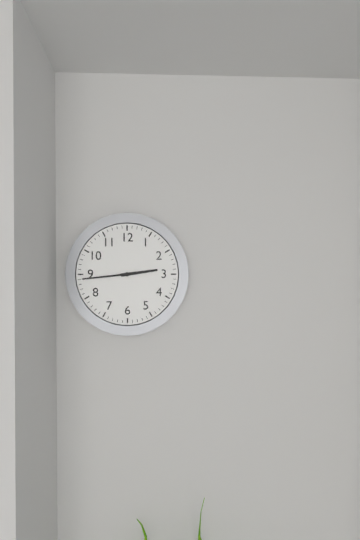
2:44
